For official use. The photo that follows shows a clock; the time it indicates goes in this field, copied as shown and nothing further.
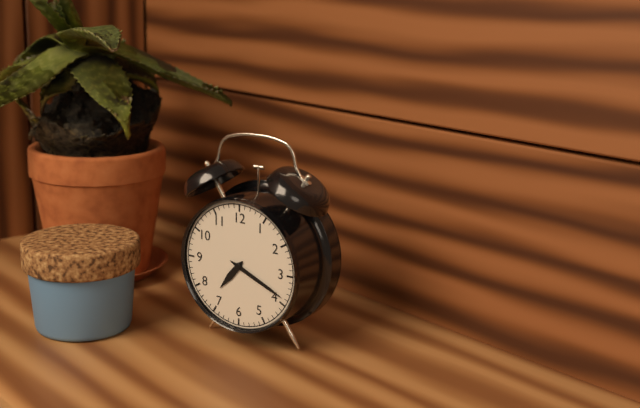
7:19
